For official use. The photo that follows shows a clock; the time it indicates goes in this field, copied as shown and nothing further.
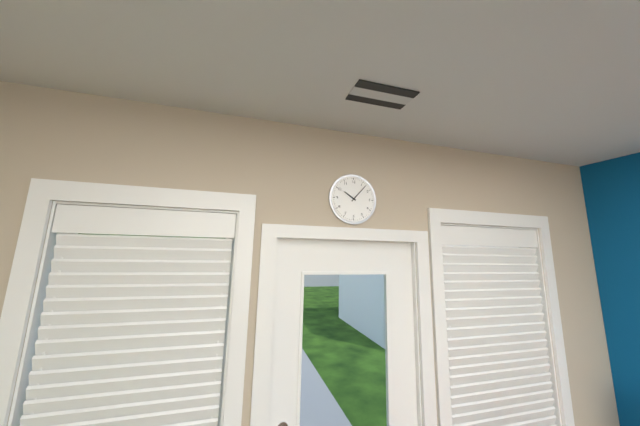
10:07
